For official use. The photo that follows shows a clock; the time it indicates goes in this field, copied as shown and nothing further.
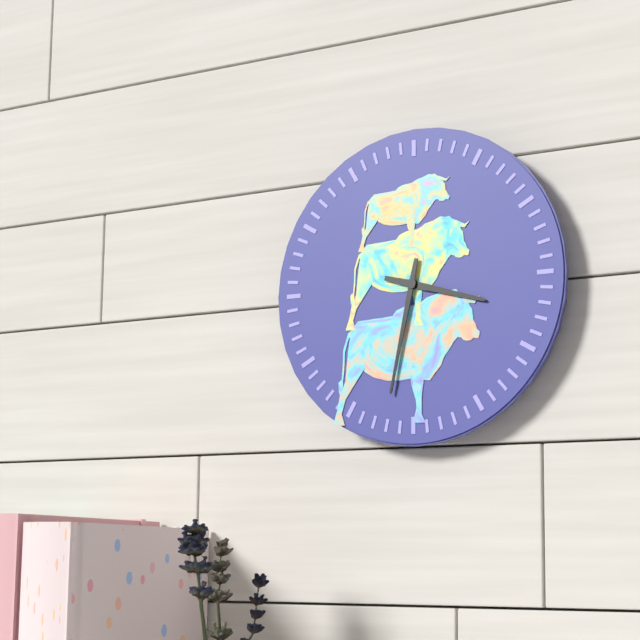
3:32
